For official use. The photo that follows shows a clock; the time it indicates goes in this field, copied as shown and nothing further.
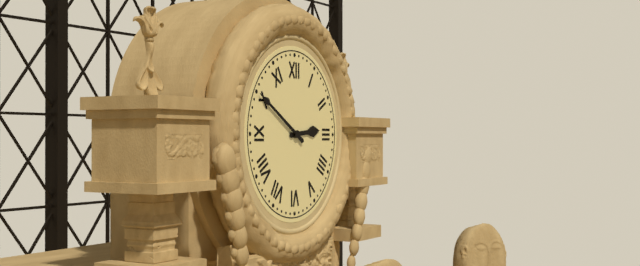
2:50
